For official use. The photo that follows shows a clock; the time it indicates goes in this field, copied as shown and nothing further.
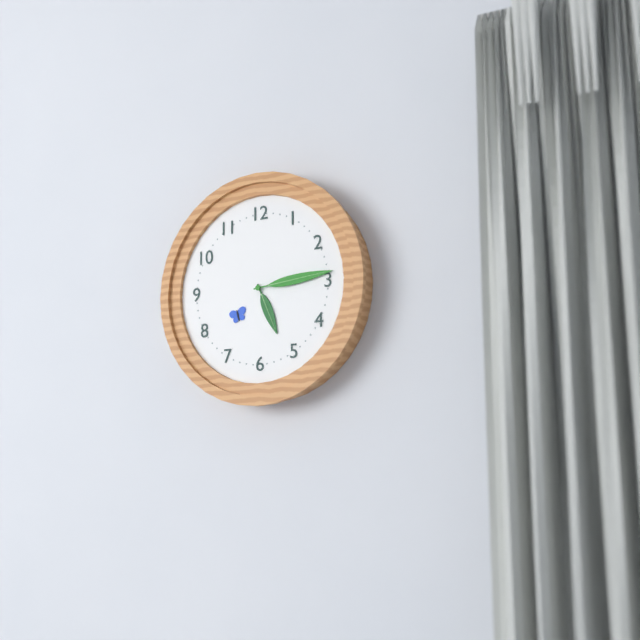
5:14
